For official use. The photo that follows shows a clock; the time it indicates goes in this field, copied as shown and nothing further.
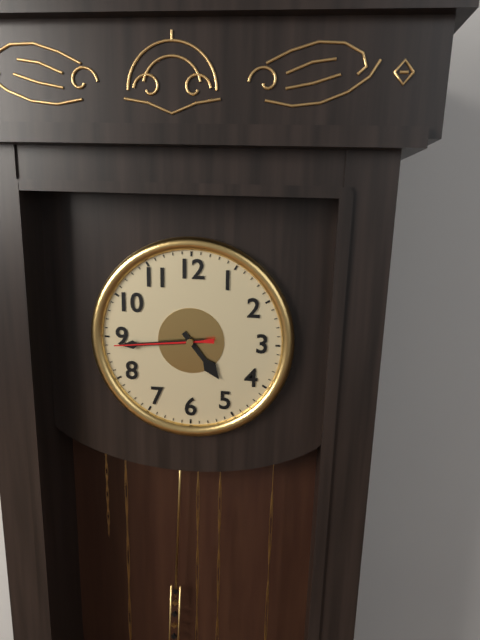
4:44:44
